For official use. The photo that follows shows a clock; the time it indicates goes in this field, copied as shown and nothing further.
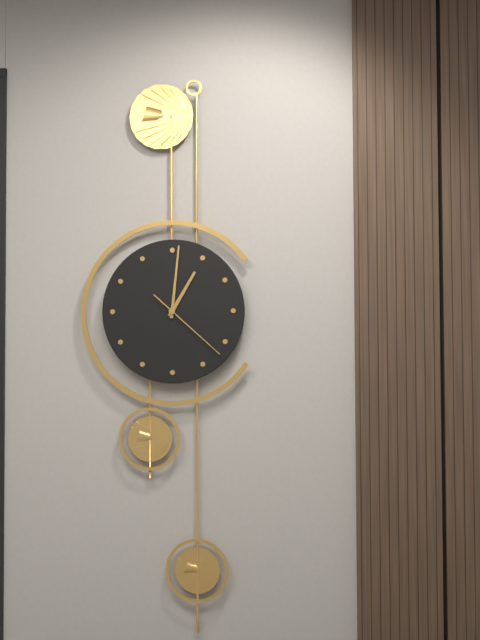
1:01:22
